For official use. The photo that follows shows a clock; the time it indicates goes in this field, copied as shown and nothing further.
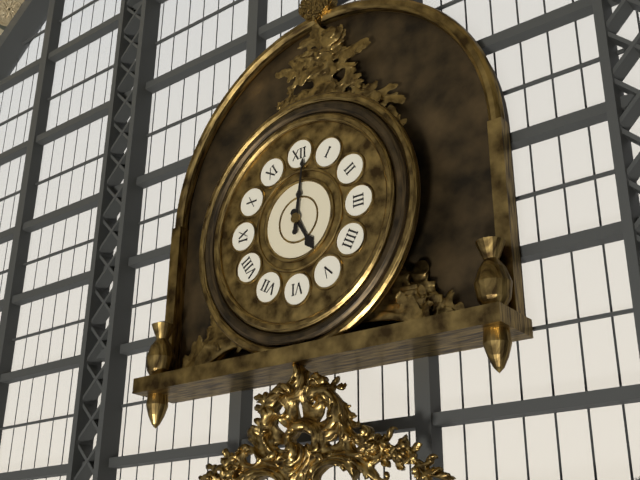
5:01
